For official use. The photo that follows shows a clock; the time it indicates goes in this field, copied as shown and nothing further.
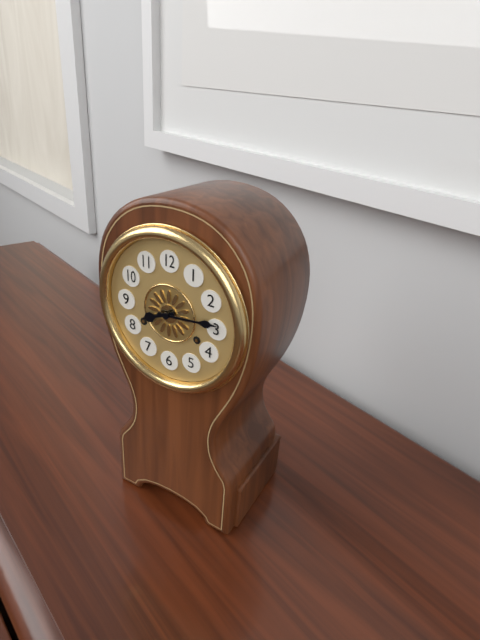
8:14
